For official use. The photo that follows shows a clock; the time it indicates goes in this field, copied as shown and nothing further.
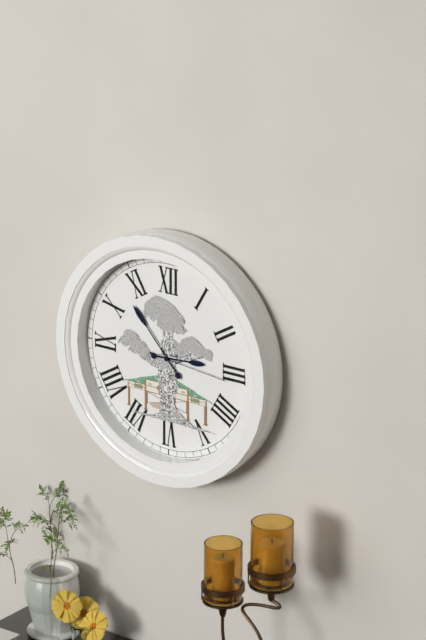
2:53:16
